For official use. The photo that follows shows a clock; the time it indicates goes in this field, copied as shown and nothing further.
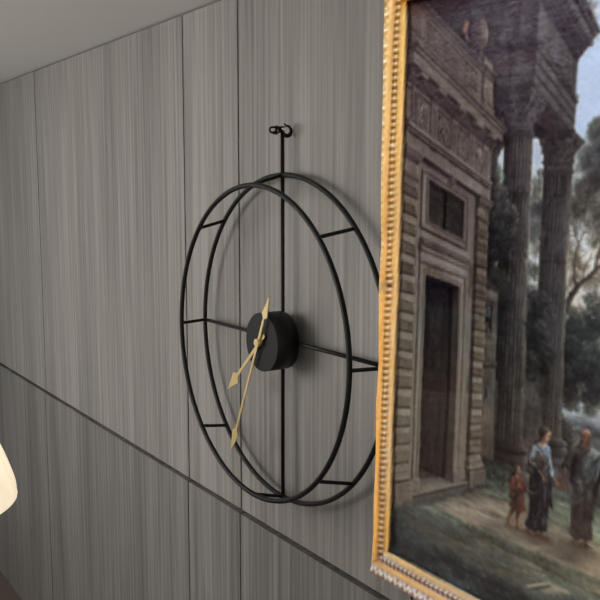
7:34
